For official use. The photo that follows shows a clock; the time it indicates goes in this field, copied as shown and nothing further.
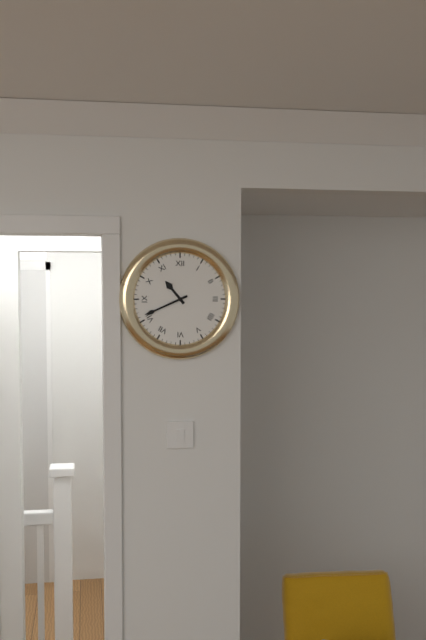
10:41
